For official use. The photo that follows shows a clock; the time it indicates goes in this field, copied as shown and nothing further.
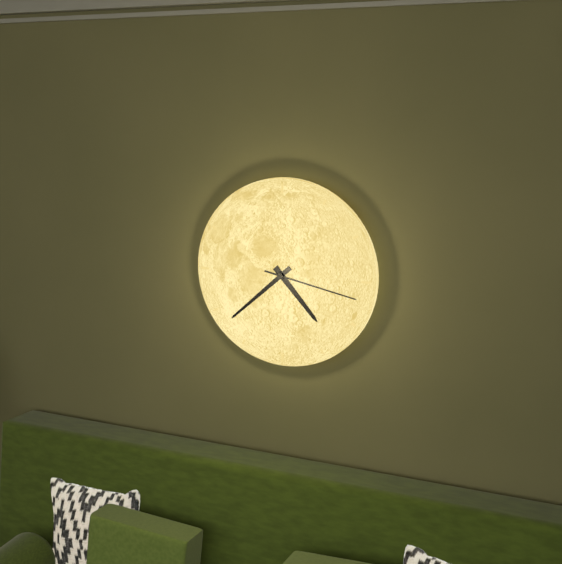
4:38:17
